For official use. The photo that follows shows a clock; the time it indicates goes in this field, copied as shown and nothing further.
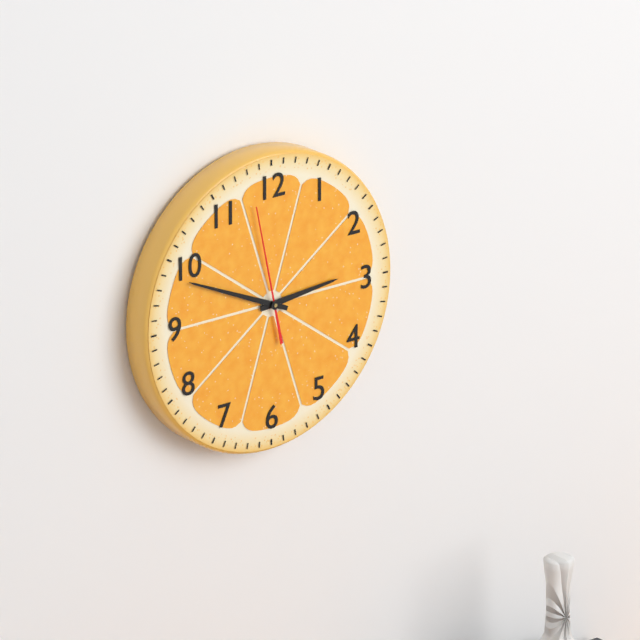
2:49:58
